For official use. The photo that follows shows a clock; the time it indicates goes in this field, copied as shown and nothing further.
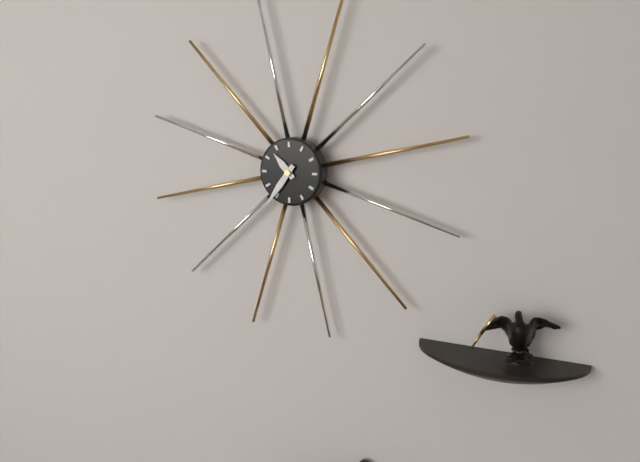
10:36
